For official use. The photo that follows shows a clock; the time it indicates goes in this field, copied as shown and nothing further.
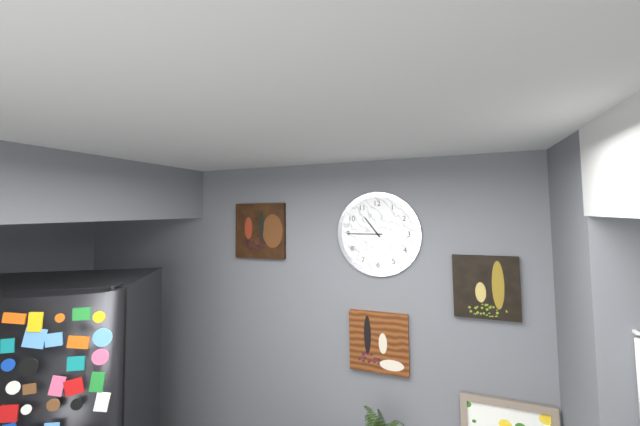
10:45
